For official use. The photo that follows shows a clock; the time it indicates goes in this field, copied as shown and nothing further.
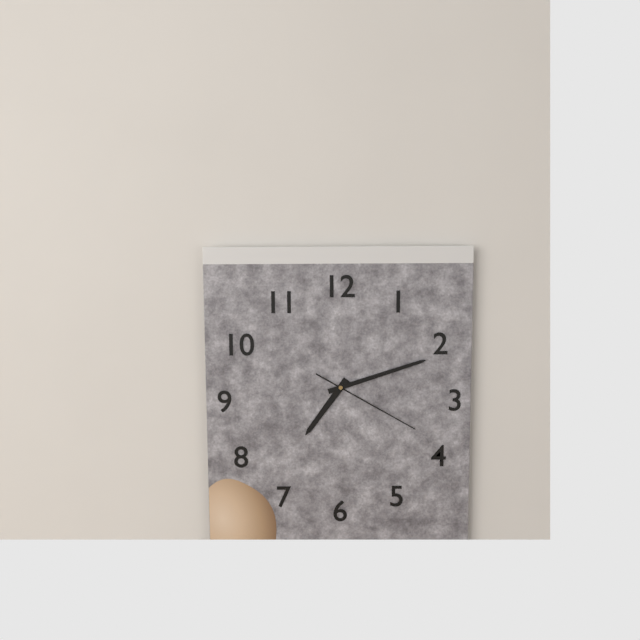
7:12:20
